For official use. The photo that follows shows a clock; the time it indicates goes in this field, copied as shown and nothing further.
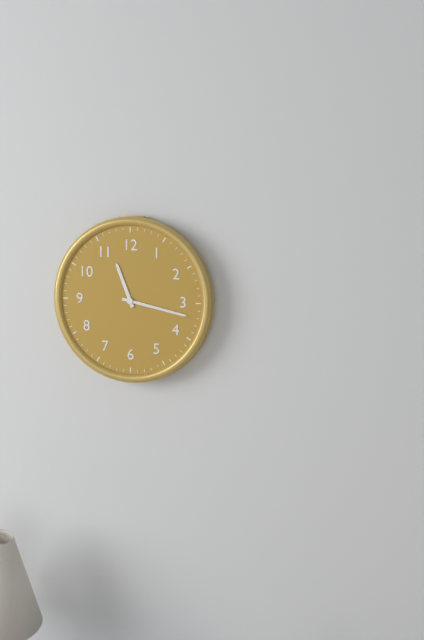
11:17
